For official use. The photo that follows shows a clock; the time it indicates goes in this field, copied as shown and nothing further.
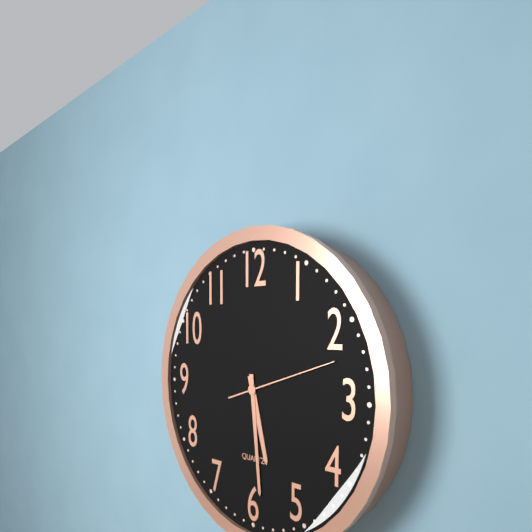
5:29:12
